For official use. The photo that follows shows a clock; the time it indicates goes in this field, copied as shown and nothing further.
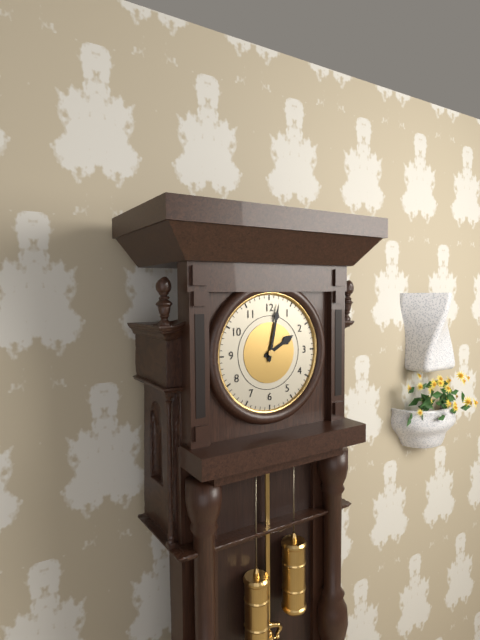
2:02
